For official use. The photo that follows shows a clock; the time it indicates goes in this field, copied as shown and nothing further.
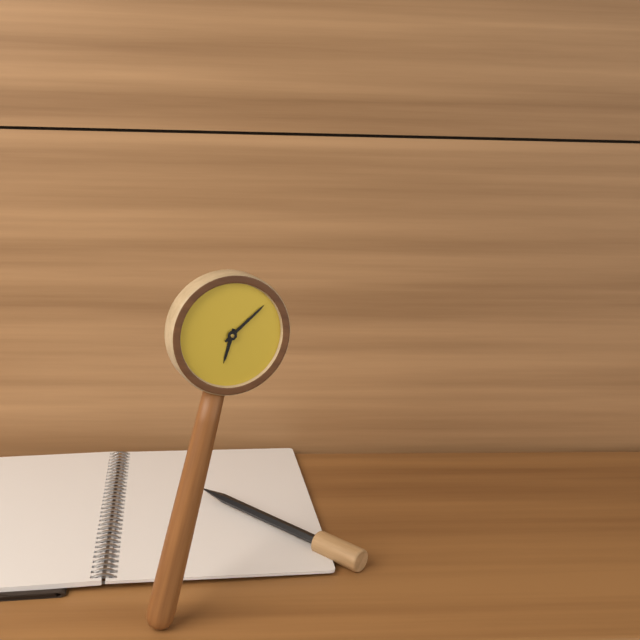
6:06
